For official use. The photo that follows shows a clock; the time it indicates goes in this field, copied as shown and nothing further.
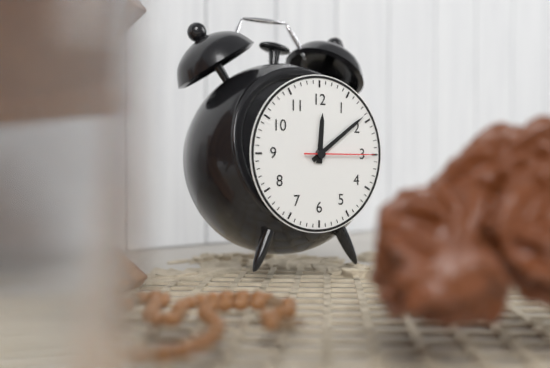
12:09:15
